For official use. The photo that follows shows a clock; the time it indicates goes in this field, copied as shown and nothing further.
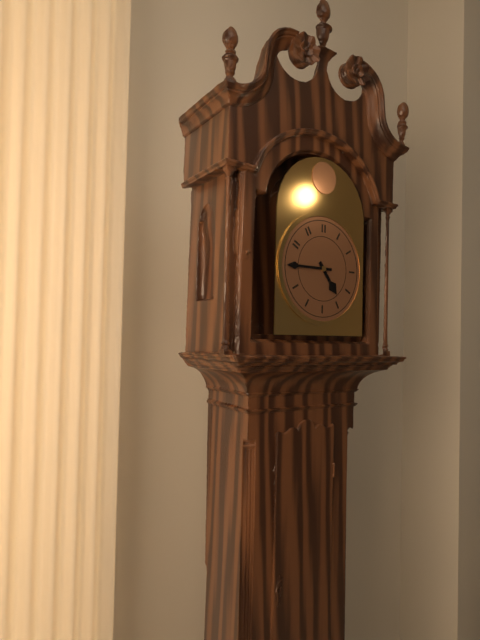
4:45
